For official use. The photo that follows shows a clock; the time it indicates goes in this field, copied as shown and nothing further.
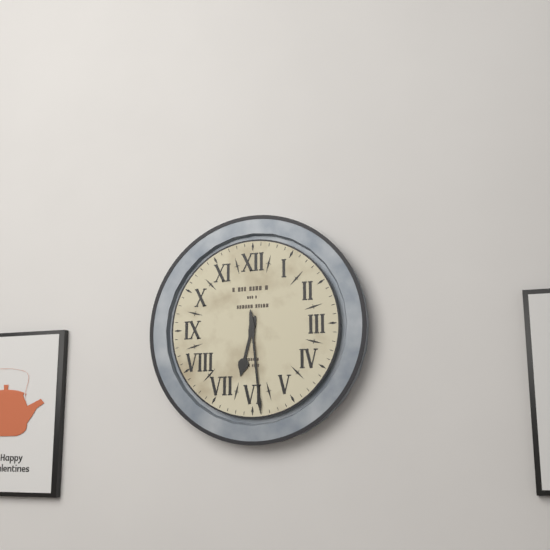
6:29
